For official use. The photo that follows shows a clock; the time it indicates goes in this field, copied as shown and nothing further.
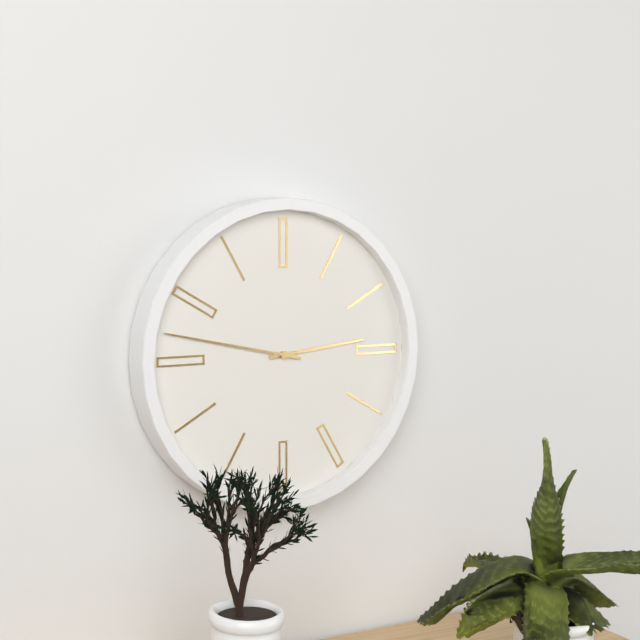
2:47
